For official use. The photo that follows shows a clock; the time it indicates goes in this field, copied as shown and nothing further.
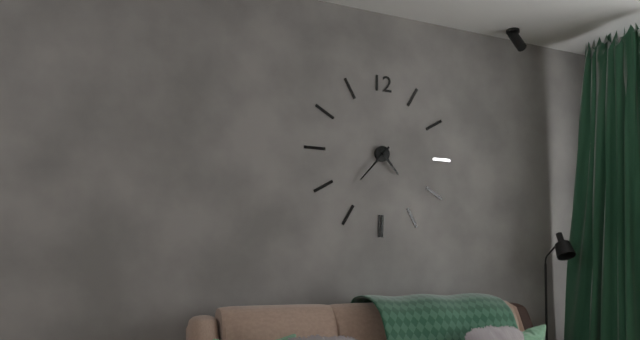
4:37
